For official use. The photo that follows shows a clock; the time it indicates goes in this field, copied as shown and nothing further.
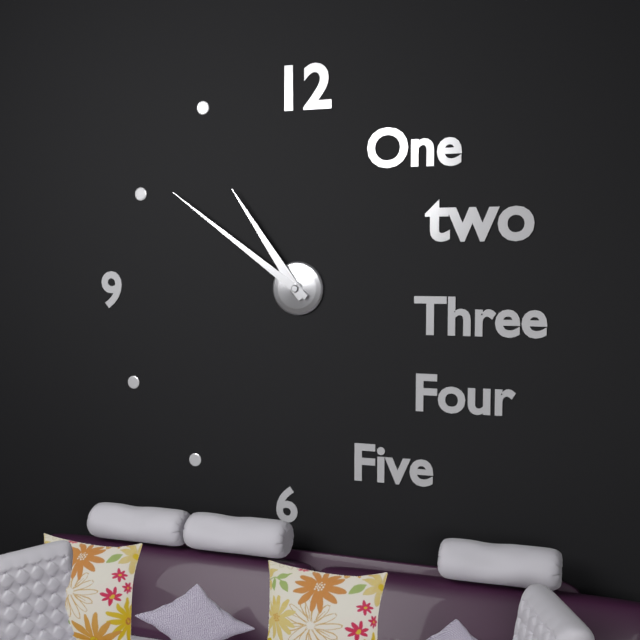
10:51
